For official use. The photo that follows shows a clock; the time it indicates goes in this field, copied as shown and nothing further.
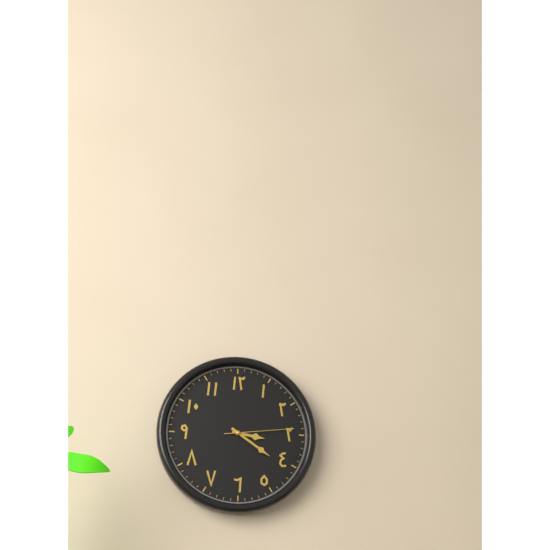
3:21:14
